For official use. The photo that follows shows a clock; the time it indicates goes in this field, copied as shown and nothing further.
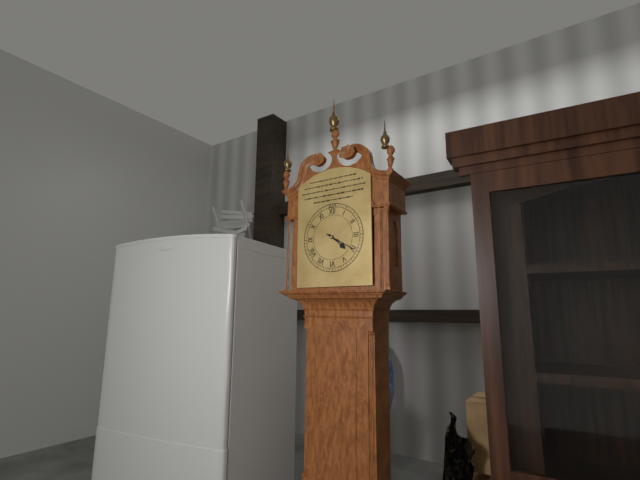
4:20
